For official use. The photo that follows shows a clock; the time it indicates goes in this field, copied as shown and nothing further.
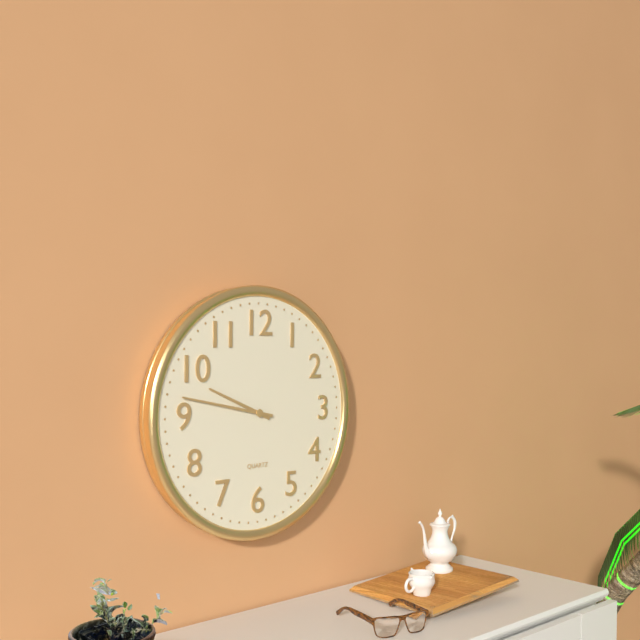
9:47
